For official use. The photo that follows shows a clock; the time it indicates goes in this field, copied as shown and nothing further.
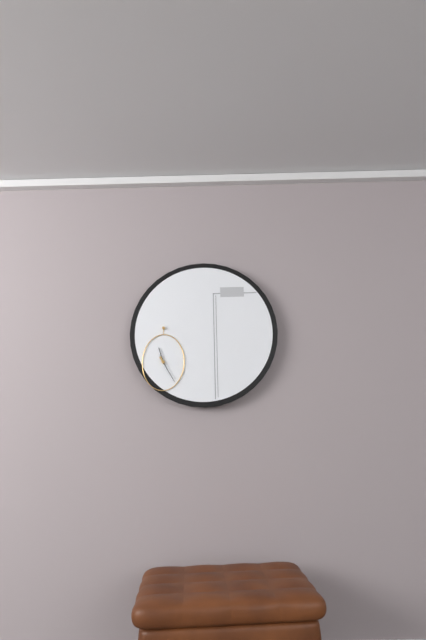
11:25
